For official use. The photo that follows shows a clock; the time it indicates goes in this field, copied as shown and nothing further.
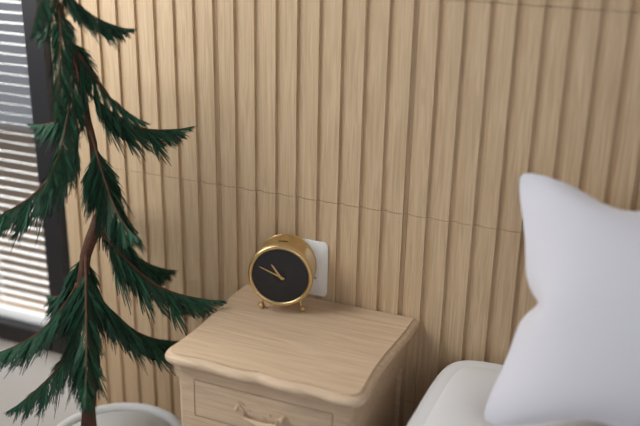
10:49
